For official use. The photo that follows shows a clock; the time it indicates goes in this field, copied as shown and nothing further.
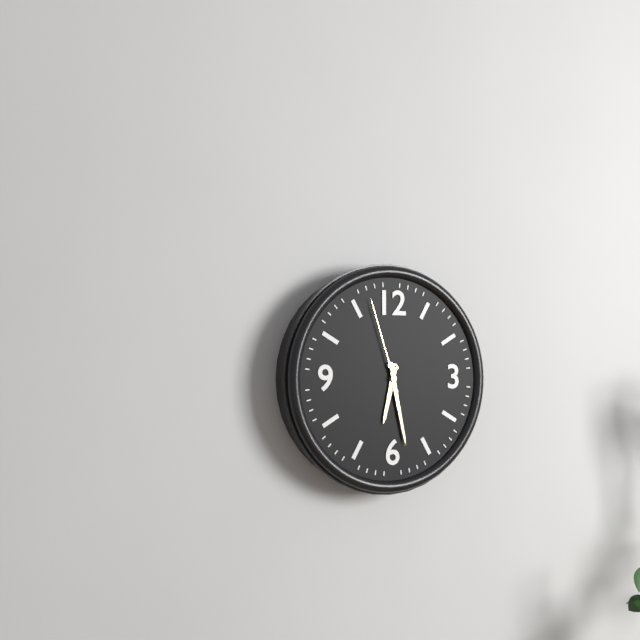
6:28:57
